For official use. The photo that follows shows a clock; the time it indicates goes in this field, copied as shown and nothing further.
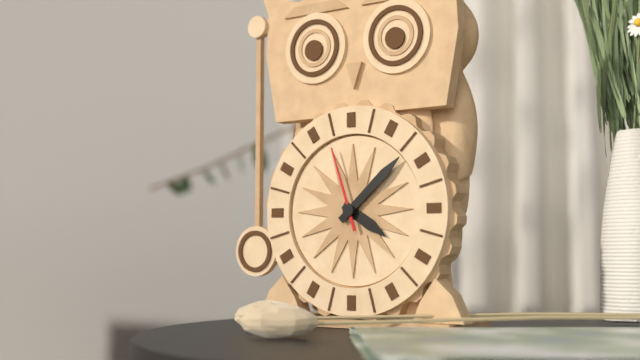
4:08:57
